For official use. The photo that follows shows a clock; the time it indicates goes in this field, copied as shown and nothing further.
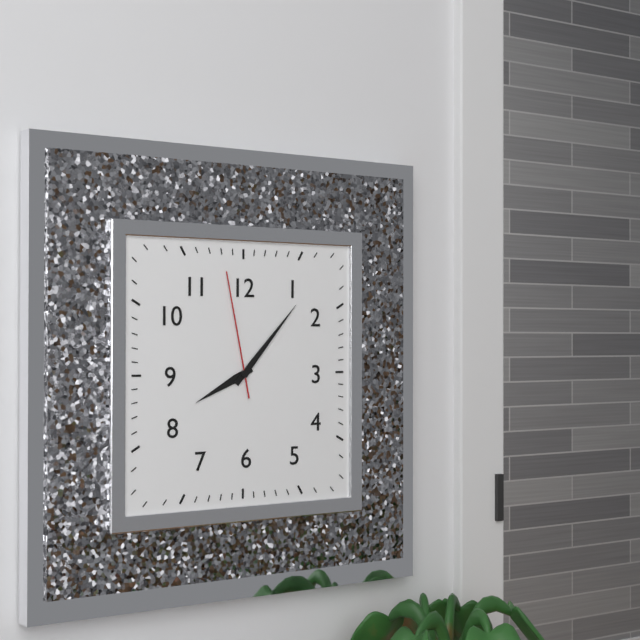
8:07:58
